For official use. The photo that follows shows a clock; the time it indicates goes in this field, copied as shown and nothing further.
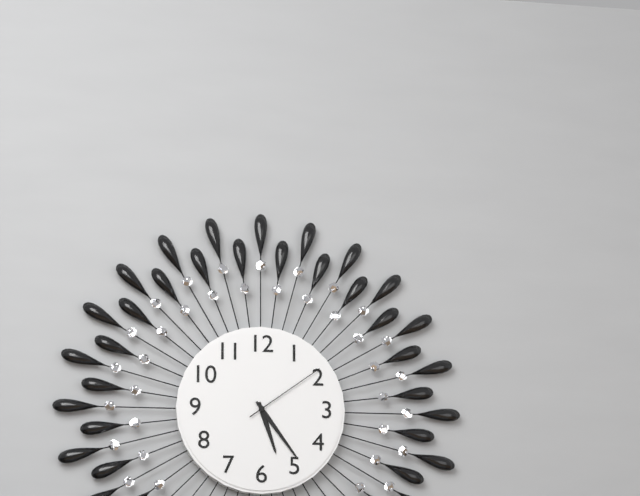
5:24:09
